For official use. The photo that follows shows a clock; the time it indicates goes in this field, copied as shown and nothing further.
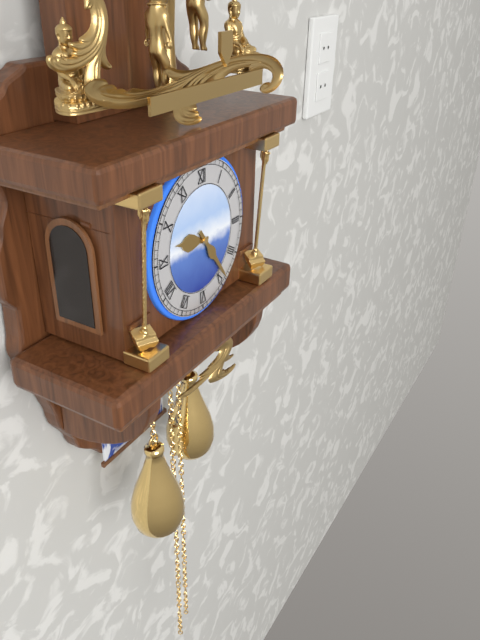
9:24
